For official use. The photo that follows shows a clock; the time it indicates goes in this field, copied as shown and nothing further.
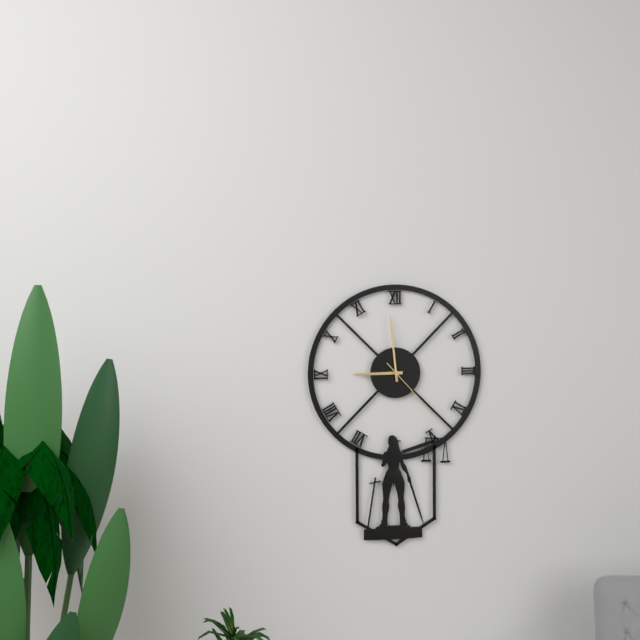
8:59:23
